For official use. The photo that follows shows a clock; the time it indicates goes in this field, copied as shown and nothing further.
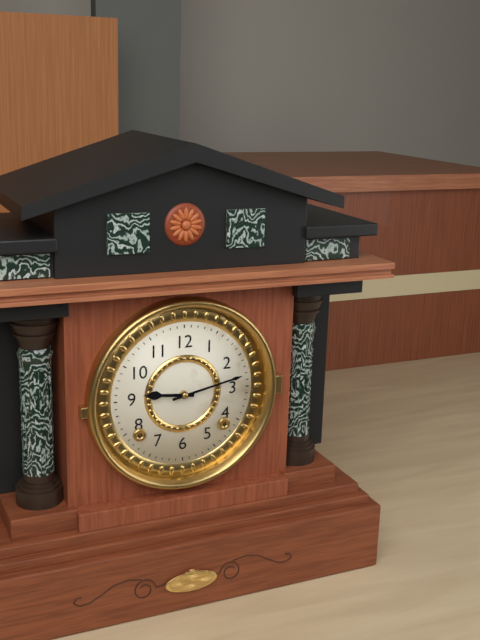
9:13
